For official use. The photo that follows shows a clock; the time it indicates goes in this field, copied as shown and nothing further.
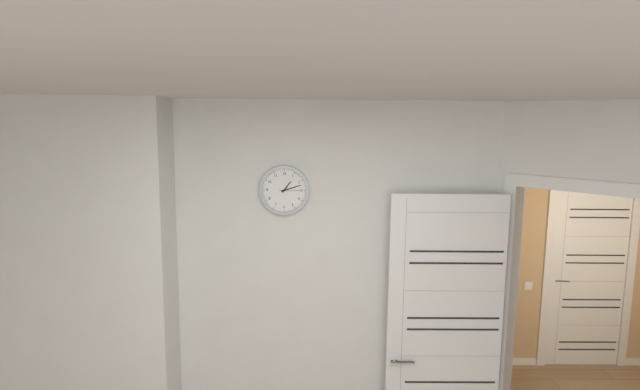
1:12
